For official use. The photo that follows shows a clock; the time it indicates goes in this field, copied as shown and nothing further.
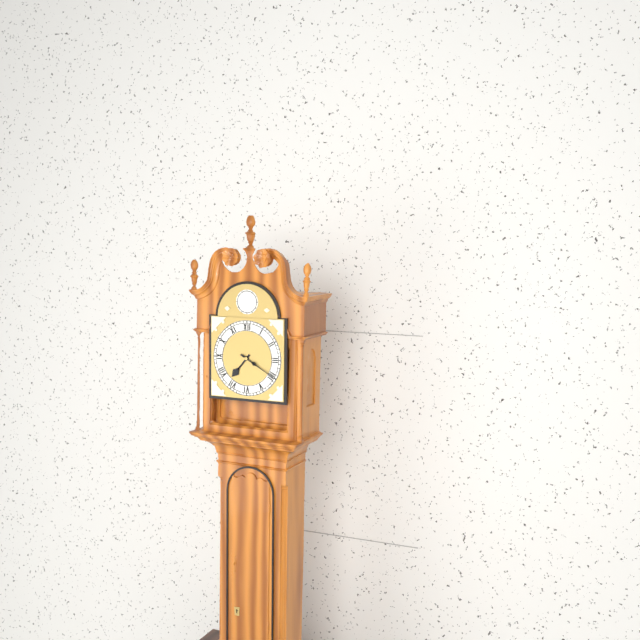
7:20
